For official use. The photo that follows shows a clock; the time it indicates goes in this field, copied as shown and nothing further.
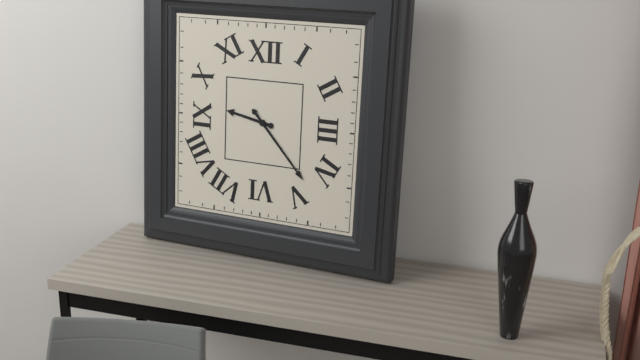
9:23
